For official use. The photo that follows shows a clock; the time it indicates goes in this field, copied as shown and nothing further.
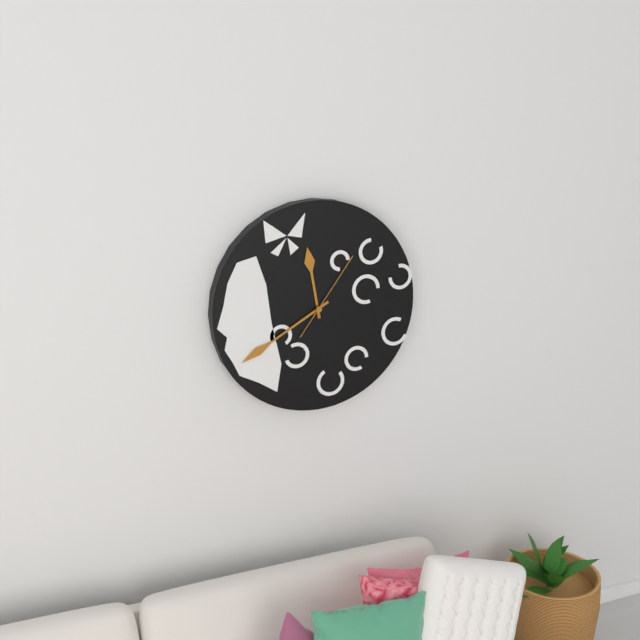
11:40:06
